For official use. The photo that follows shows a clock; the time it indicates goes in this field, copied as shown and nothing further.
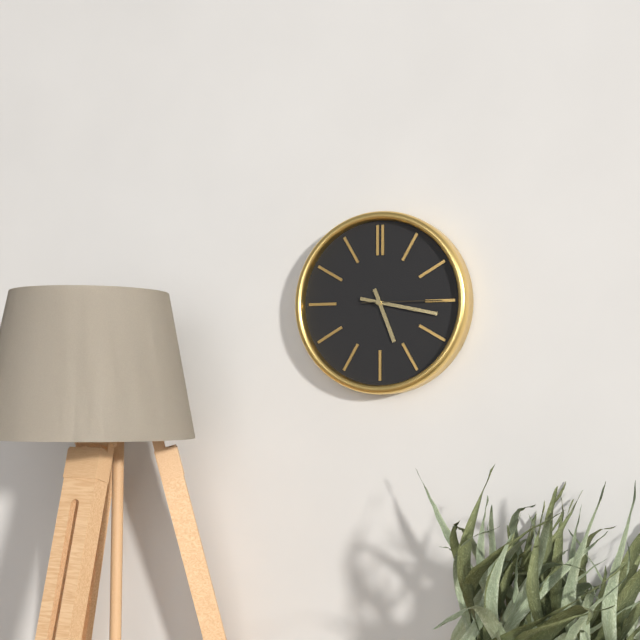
5:17:15
